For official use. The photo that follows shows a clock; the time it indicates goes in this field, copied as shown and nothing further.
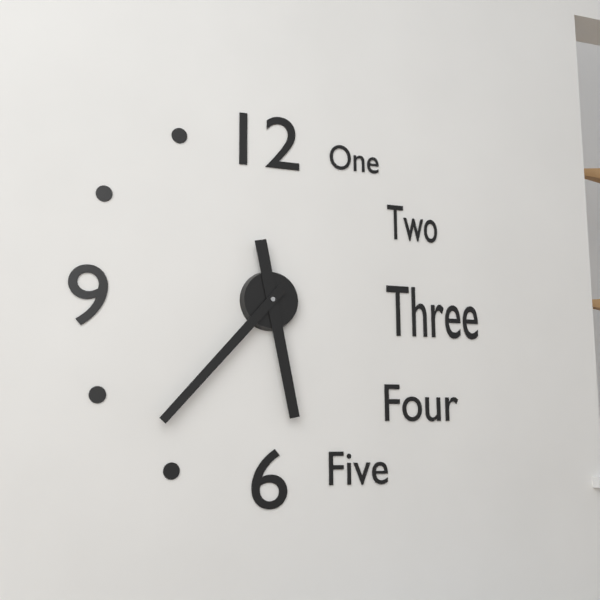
5:37
